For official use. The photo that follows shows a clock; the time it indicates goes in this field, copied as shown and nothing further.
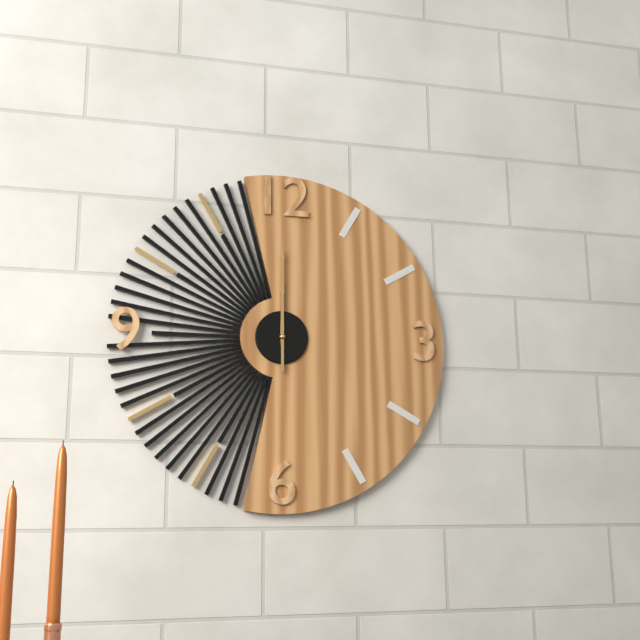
12:00
